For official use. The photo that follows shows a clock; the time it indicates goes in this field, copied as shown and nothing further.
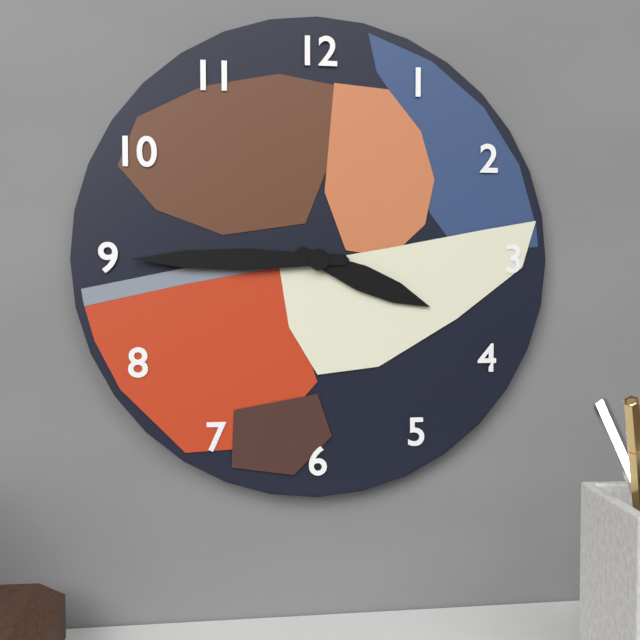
3:45
